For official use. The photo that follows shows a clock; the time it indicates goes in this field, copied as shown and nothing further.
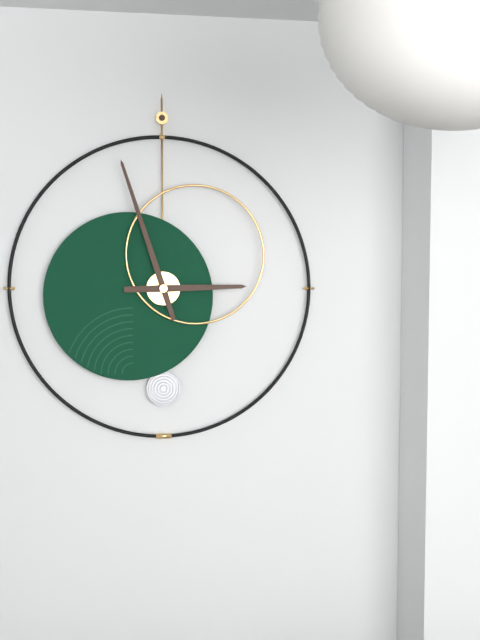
2:57
